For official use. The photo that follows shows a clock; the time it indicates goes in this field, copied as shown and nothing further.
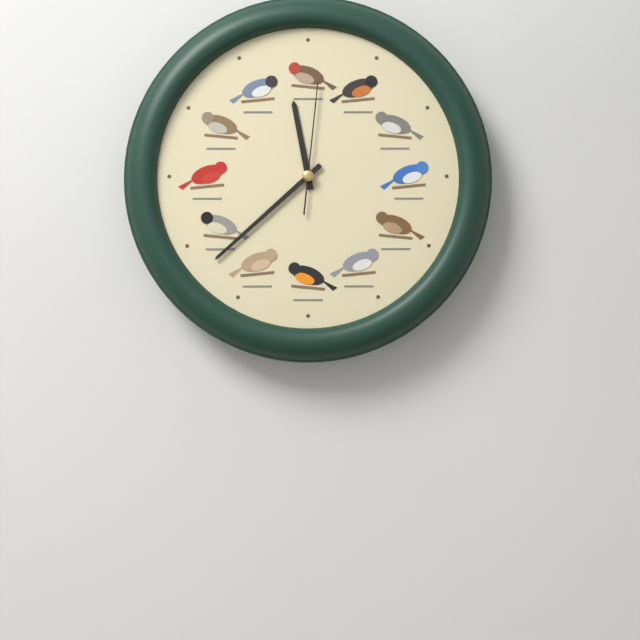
11:38:01
